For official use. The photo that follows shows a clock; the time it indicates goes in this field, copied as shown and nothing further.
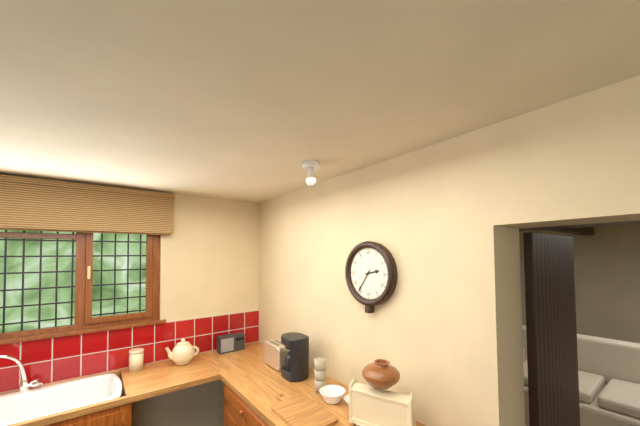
2:36
